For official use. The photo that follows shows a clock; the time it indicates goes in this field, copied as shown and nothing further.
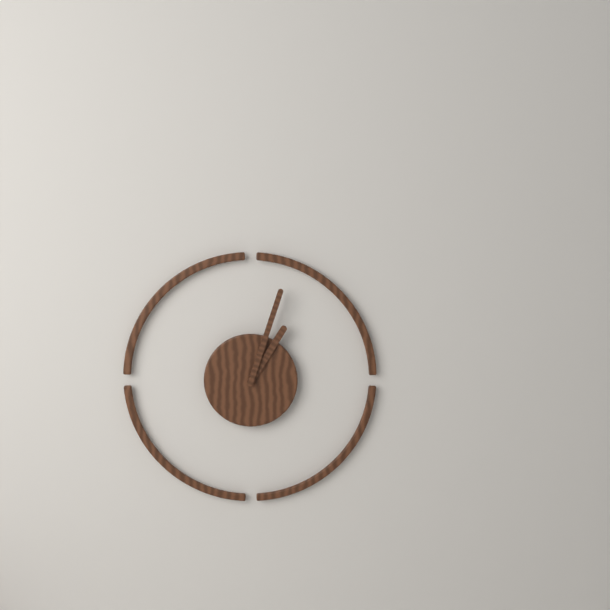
1:03
